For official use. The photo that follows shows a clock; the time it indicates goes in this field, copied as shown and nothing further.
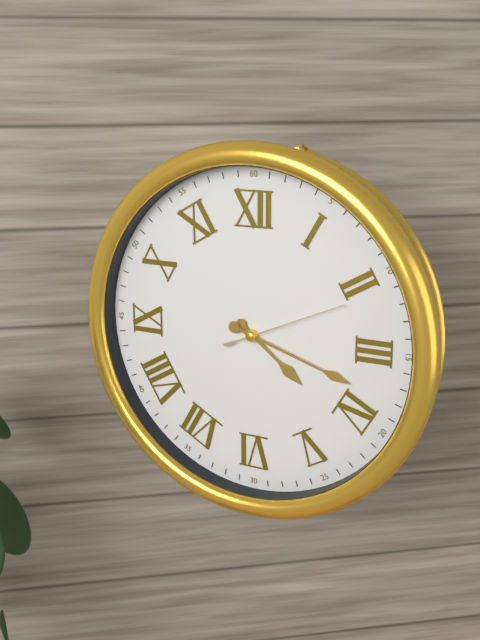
4:18:11
